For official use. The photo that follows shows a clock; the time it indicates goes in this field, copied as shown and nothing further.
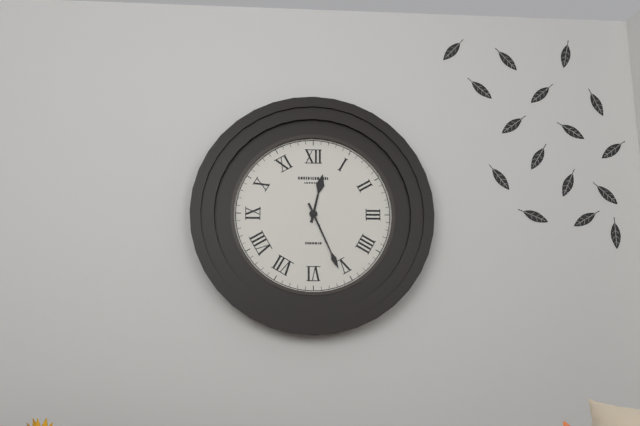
12:26
